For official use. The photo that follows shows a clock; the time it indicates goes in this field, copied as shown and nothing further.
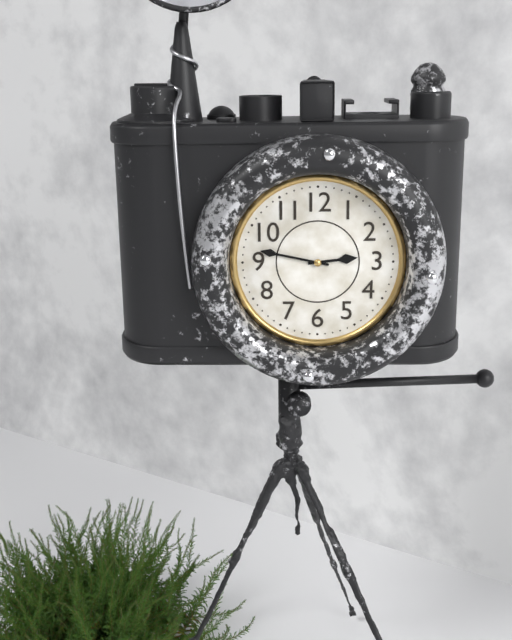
2:47
